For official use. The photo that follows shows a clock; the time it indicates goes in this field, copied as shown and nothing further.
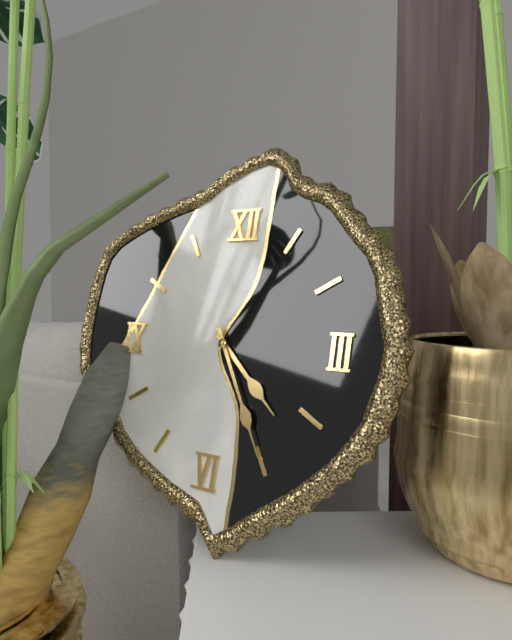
4:25
